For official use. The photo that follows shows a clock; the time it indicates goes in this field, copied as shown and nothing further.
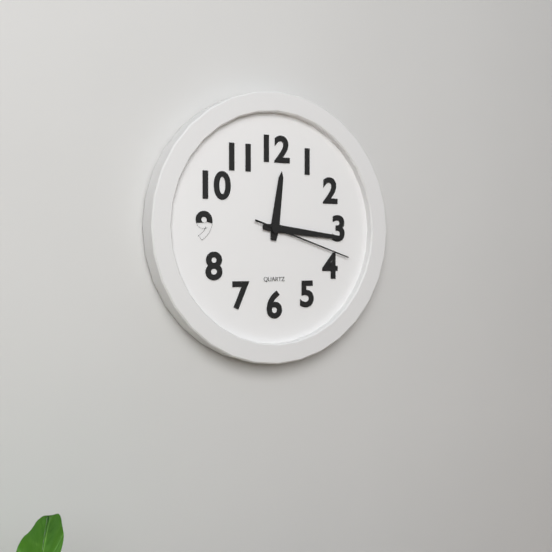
12:16:18
